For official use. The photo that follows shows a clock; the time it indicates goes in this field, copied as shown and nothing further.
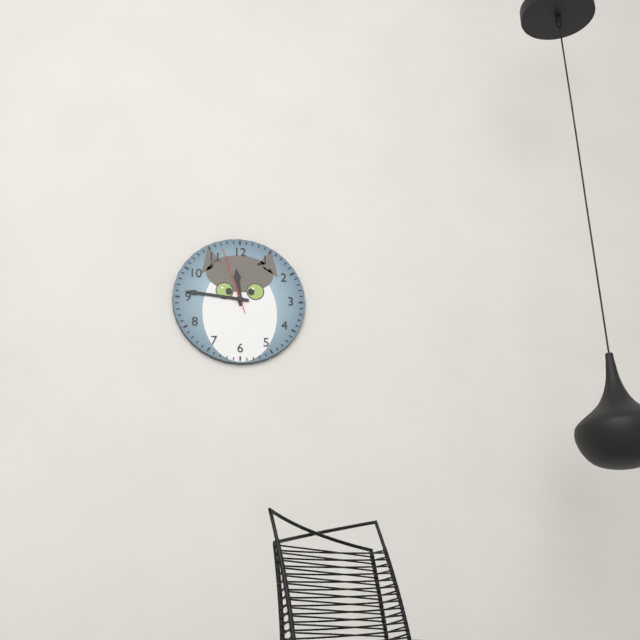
11:46:57
